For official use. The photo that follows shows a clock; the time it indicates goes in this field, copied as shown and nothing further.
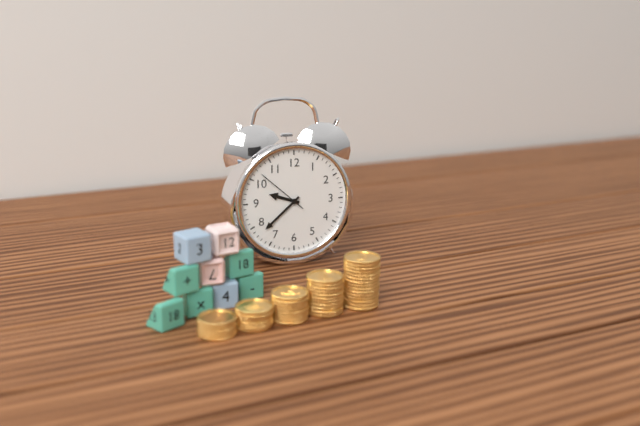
9:38:52
